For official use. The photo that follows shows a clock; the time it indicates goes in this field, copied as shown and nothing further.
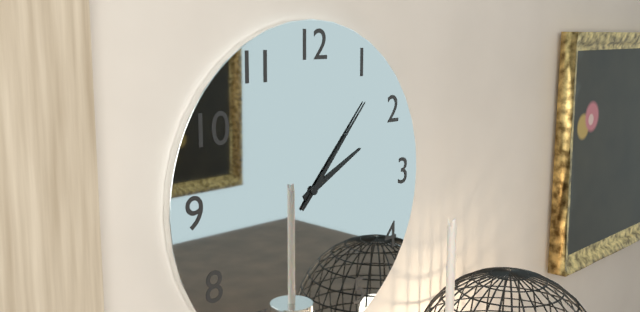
2:07
